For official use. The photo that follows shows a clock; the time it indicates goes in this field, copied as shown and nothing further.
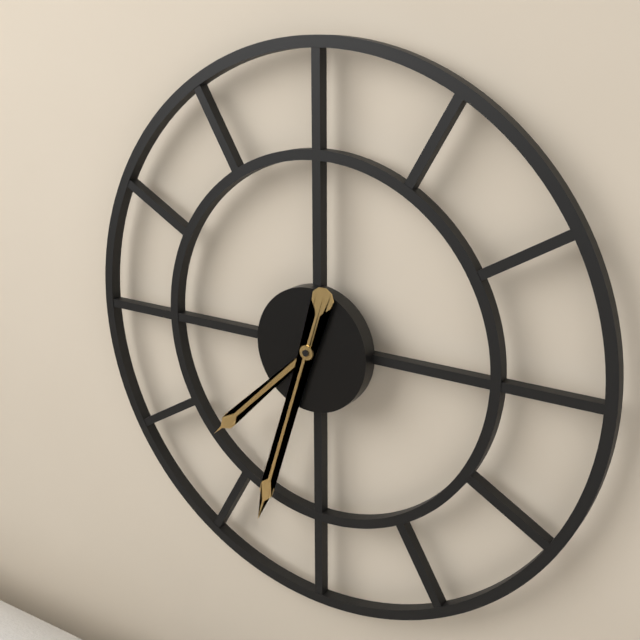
7:33
